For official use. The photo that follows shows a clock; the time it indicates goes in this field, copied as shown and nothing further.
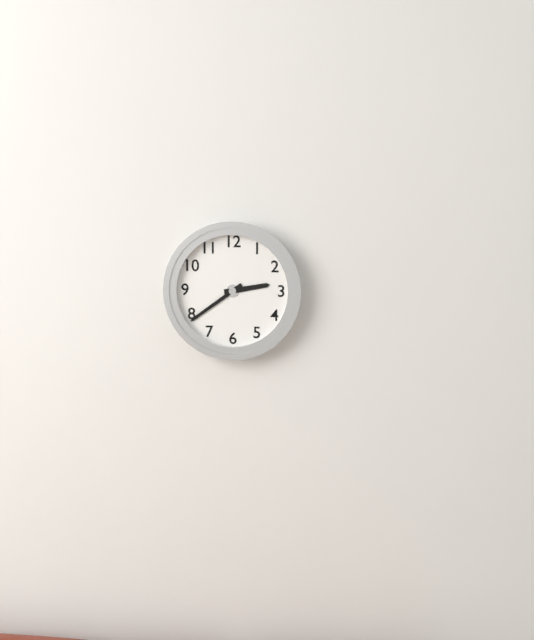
2:39
